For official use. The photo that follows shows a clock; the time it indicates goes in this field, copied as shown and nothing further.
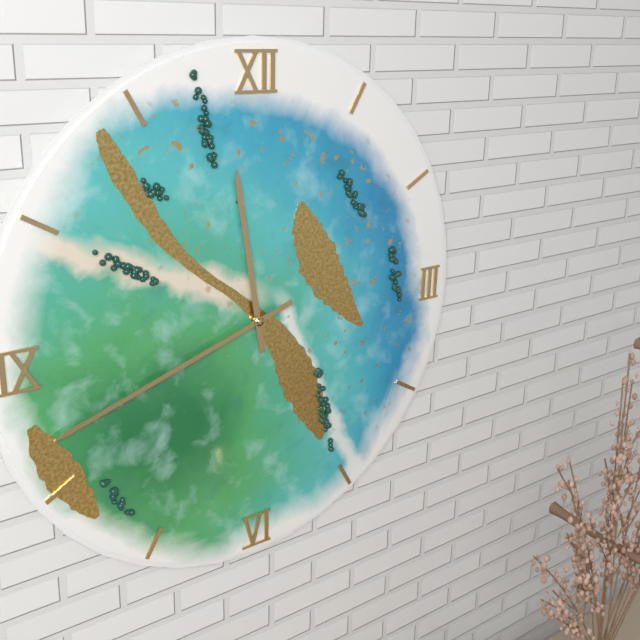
11:42
